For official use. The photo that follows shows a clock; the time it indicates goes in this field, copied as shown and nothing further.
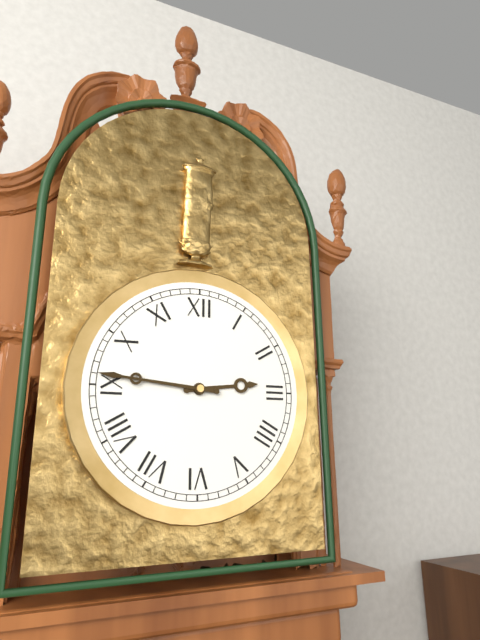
2:46
